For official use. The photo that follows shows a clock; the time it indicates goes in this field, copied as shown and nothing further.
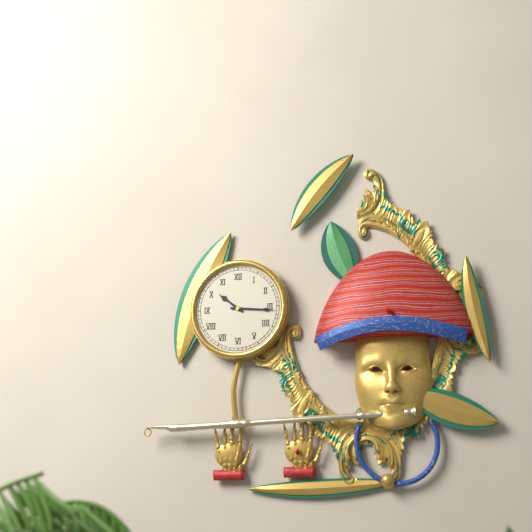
10:16
